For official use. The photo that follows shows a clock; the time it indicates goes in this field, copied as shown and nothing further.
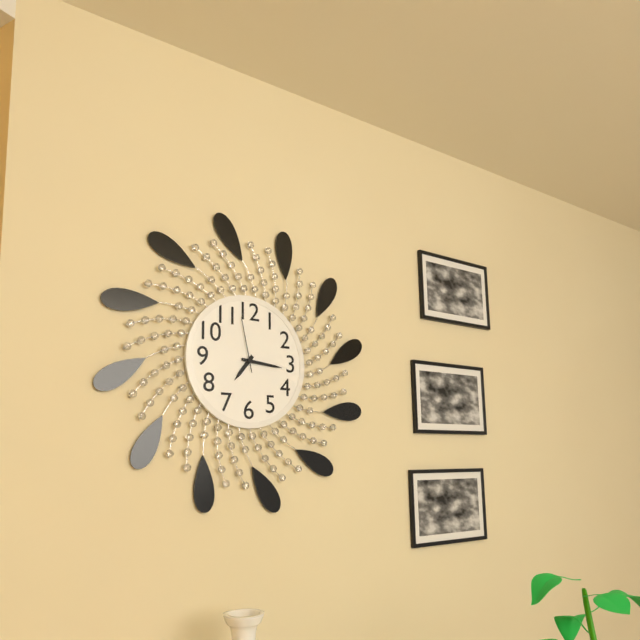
7:16:58
